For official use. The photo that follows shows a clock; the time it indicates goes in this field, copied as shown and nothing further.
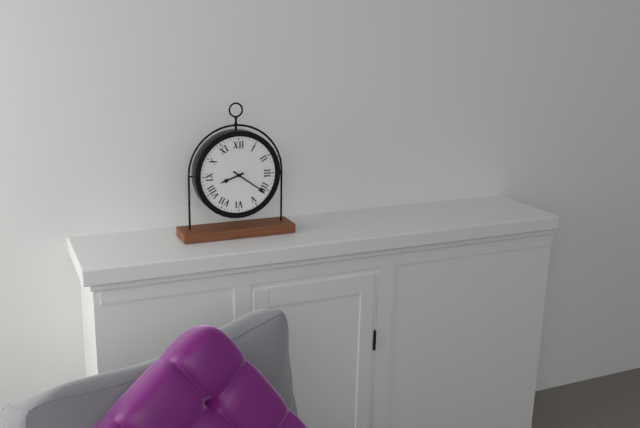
8:21
